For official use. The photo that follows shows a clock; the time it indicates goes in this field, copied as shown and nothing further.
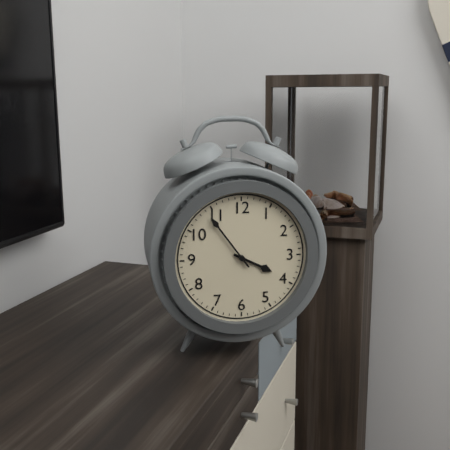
3:54
